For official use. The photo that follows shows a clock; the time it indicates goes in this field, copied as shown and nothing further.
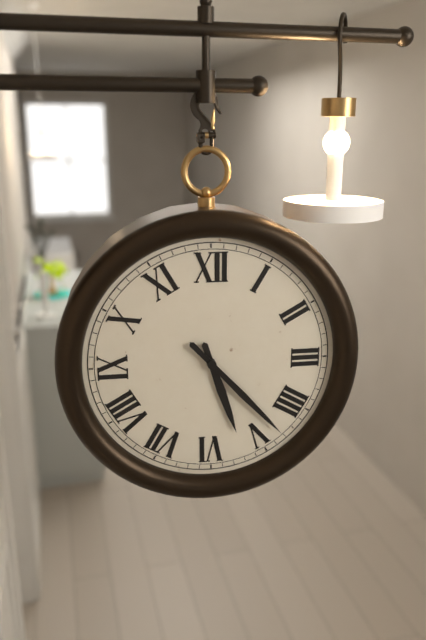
5:23
